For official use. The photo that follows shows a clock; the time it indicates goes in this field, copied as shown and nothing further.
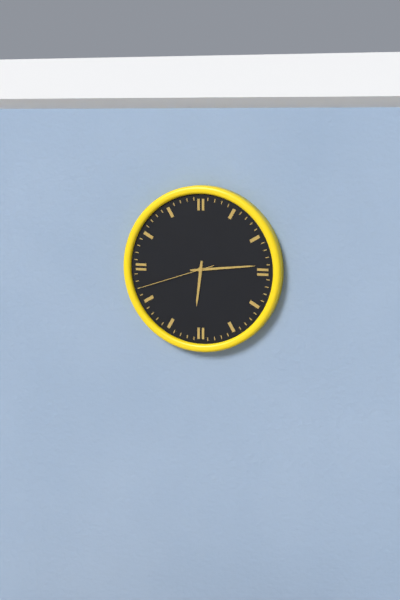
6:14:42
